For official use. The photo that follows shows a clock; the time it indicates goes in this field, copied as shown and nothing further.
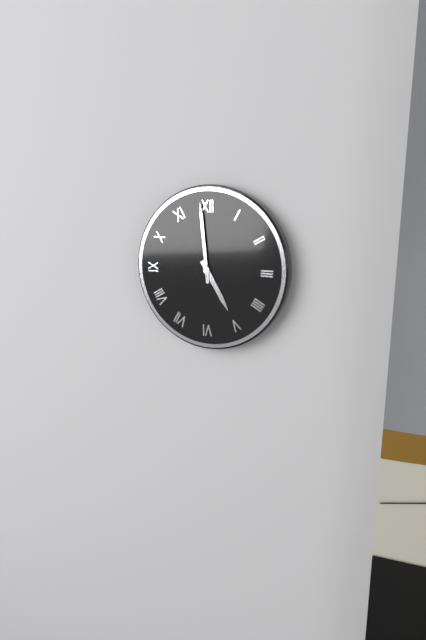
4:59
